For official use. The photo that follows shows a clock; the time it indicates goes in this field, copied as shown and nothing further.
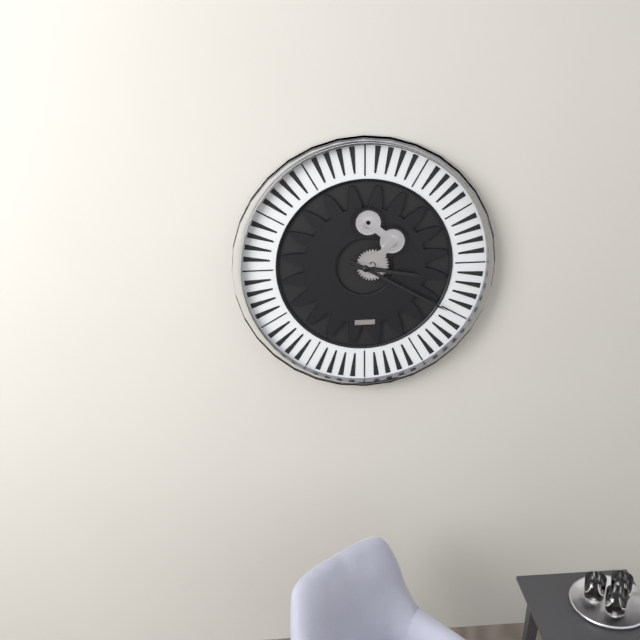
3:20
